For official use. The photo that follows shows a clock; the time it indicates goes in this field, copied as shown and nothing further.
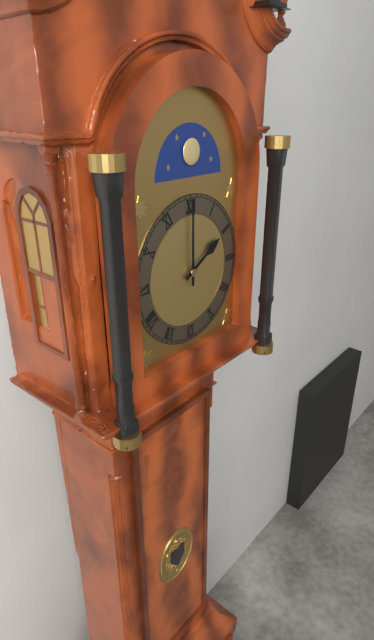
2:00
